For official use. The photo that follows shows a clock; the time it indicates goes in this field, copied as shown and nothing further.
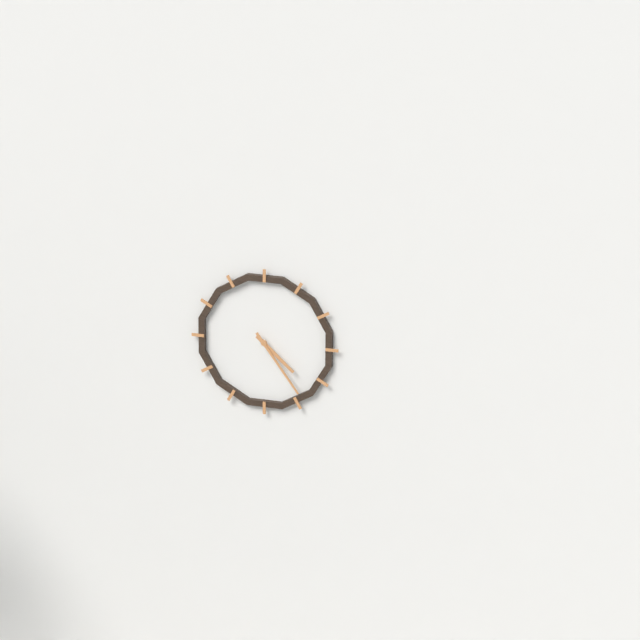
4:24
